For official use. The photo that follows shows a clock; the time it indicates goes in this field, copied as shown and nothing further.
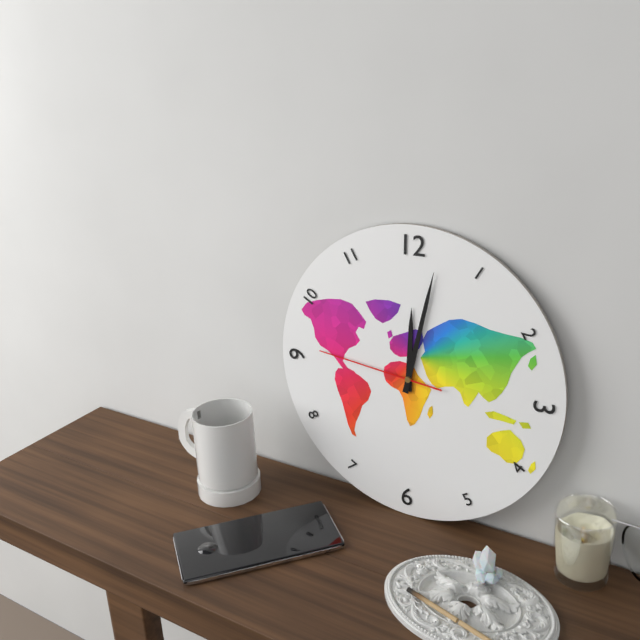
12:02:46
